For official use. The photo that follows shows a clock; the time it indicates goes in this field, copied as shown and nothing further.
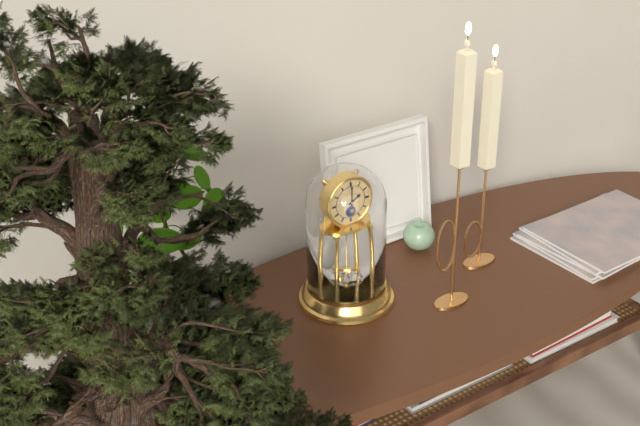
2:00
